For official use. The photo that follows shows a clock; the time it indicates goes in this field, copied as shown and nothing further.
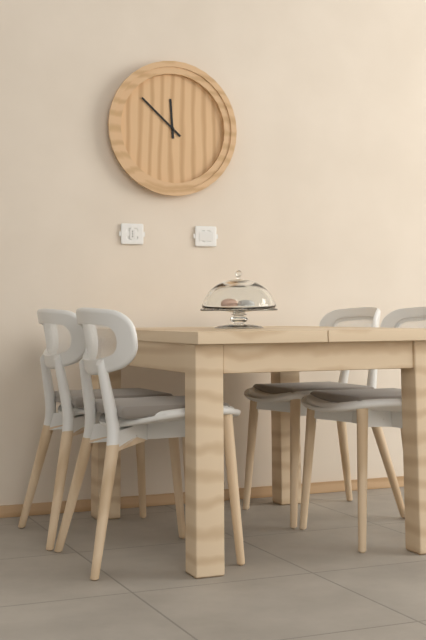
11:52
